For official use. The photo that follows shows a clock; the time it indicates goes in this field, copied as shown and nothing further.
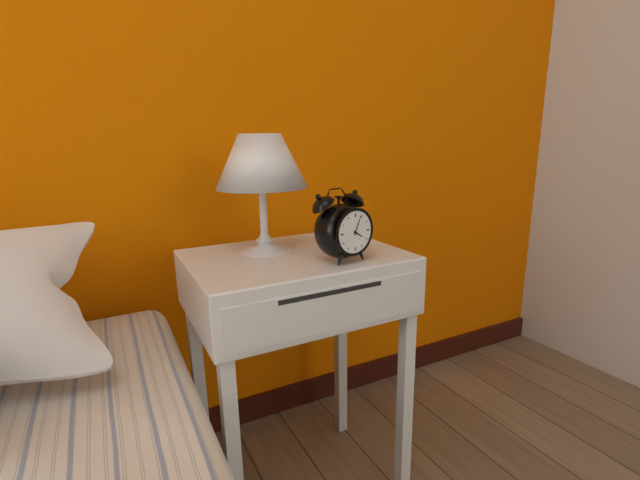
4:04
